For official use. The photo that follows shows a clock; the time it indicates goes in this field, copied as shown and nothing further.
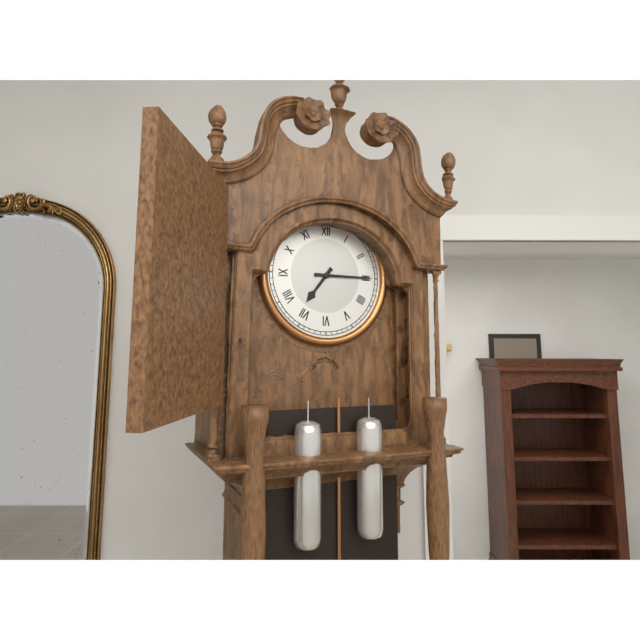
7:15
